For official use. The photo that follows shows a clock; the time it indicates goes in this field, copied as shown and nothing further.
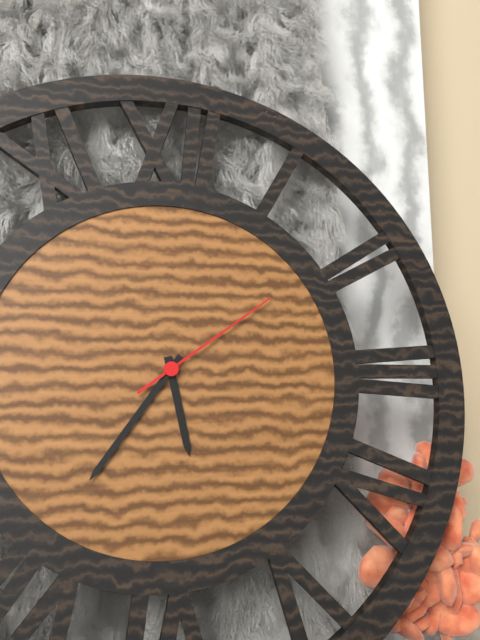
5:36:09
